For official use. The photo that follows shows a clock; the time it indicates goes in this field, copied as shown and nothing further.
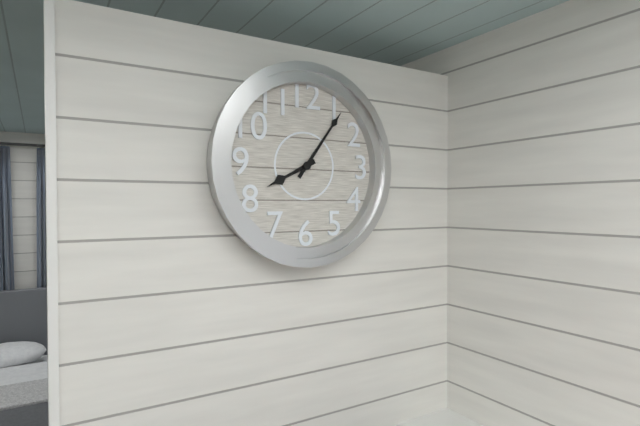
8:06
